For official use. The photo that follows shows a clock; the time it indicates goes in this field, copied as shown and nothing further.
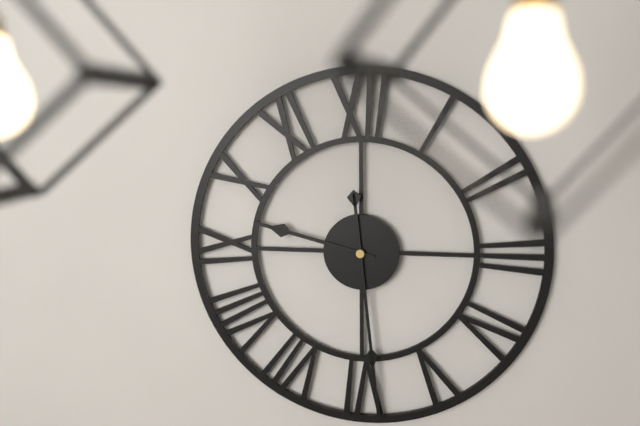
9:29
